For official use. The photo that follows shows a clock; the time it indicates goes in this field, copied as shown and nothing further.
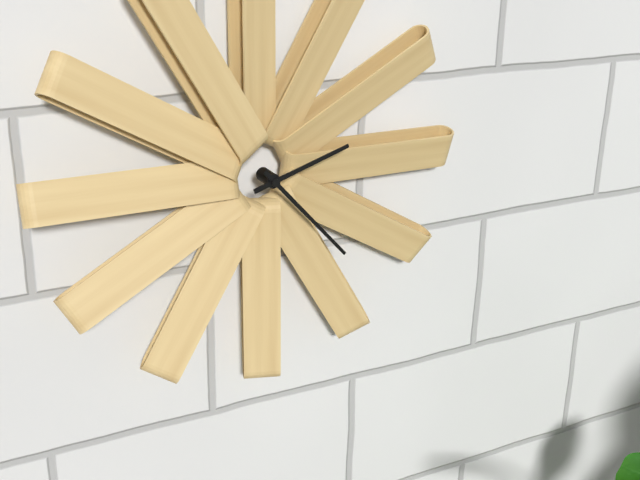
2:23
